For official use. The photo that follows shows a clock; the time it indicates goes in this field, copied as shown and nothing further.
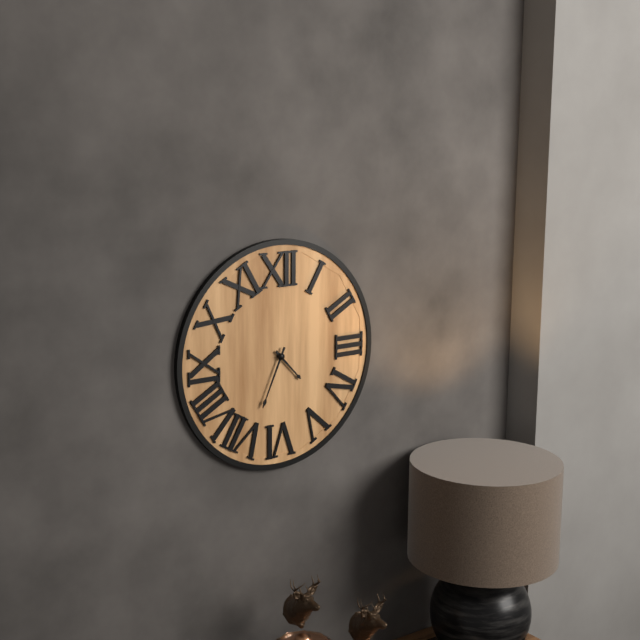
4:34
